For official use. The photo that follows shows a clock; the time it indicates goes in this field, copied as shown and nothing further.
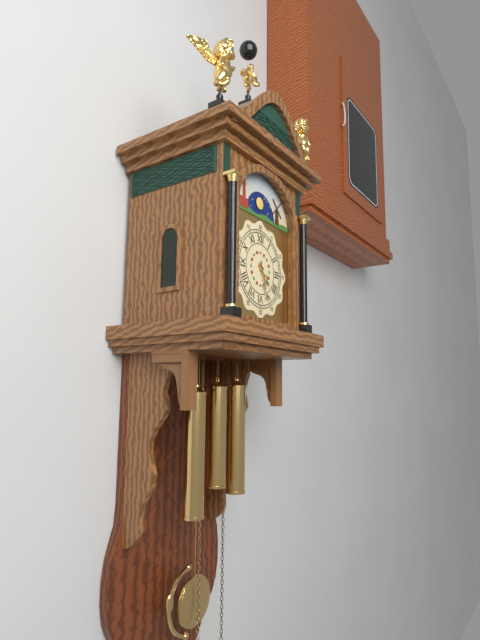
4:27
